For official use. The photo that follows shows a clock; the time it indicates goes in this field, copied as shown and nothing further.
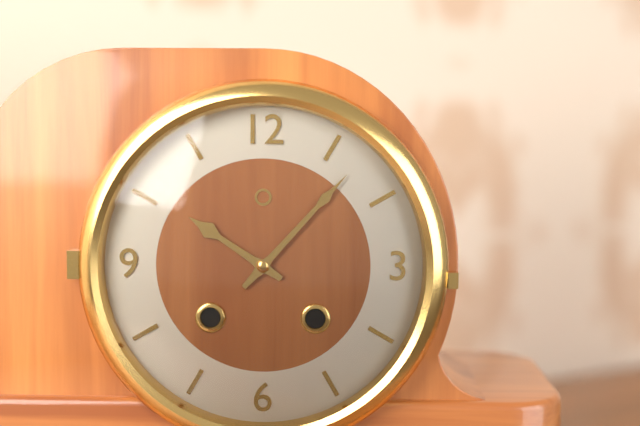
10:07
